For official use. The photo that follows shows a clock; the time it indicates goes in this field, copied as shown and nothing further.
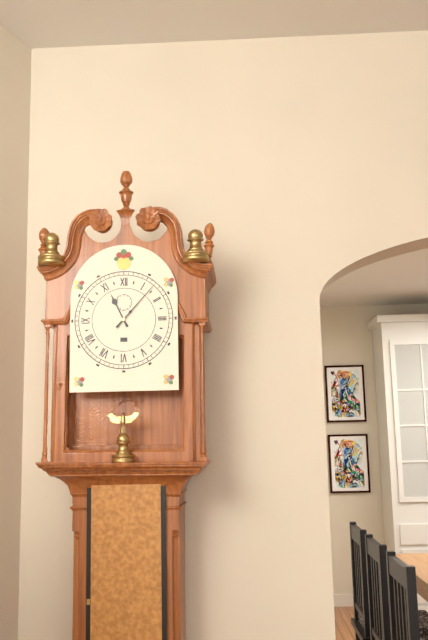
11:07
